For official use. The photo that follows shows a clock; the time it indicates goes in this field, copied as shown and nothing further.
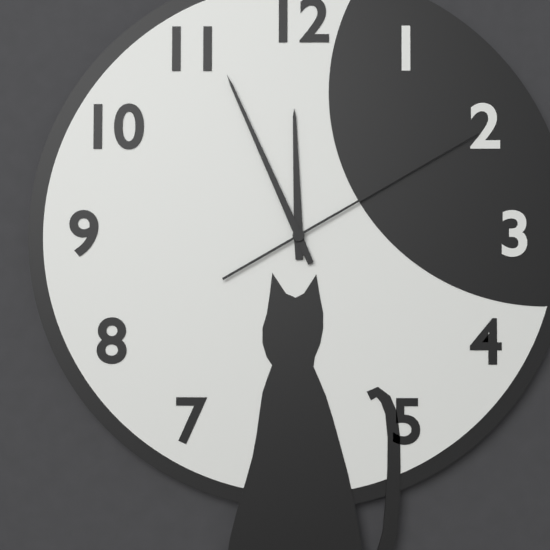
11:56:10
